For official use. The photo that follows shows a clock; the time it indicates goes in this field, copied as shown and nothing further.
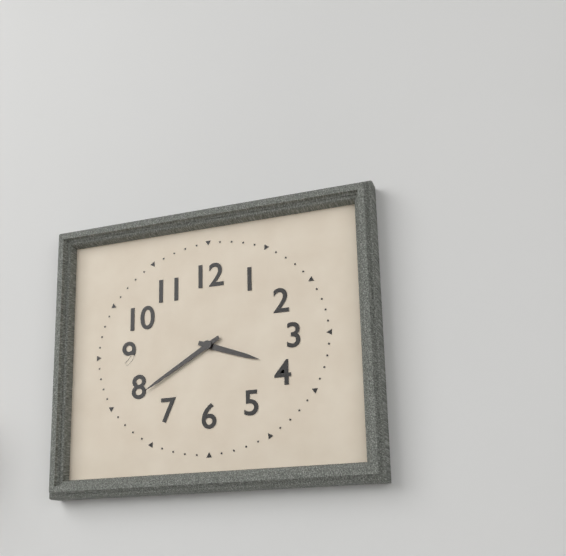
3:40
